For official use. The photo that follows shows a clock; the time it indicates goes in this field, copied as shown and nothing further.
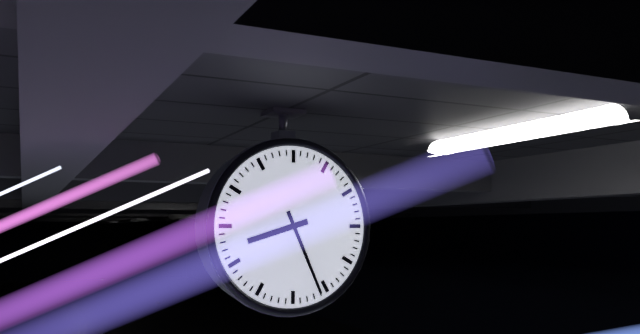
8:26
